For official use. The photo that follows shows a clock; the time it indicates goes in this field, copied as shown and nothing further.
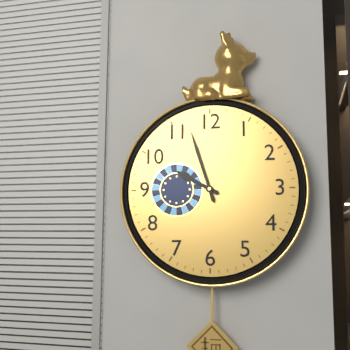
9:57
